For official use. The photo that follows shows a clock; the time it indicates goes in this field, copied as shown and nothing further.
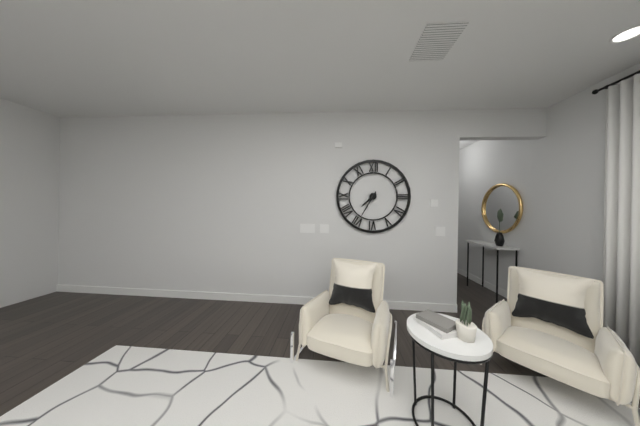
7:35
